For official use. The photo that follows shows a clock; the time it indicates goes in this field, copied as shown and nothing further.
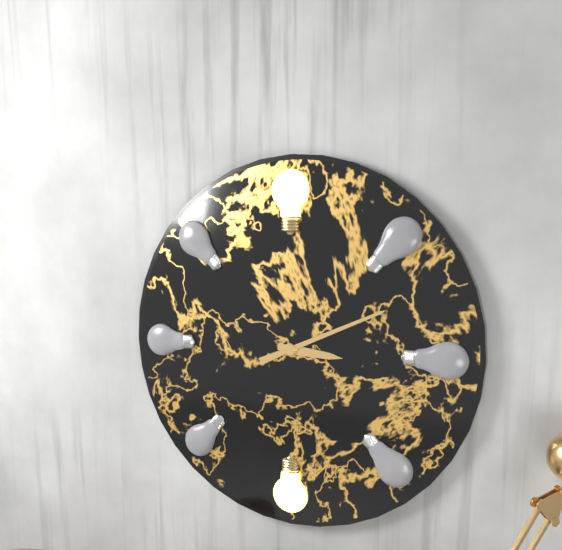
3:11
